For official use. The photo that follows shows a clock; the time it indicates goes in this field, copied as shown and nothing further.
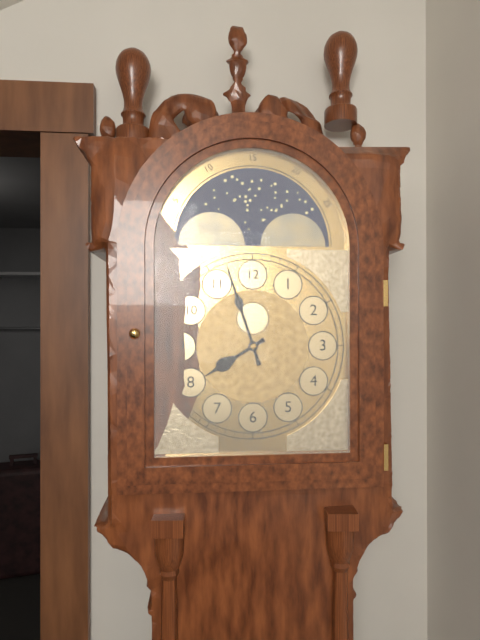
7:57
